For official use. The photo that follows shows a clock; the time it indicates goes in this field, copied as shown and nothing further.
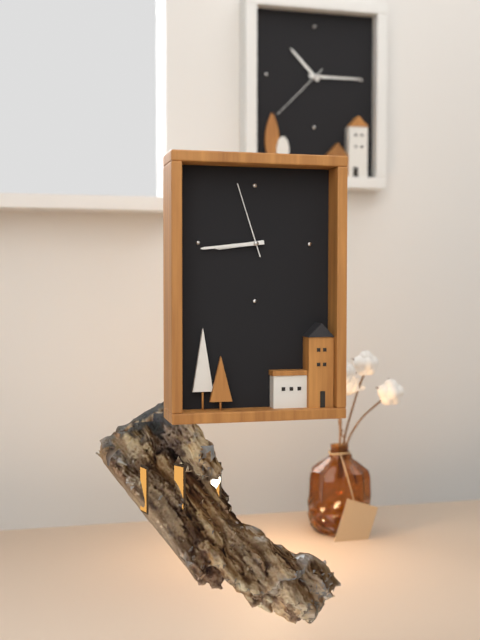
8:44:57
